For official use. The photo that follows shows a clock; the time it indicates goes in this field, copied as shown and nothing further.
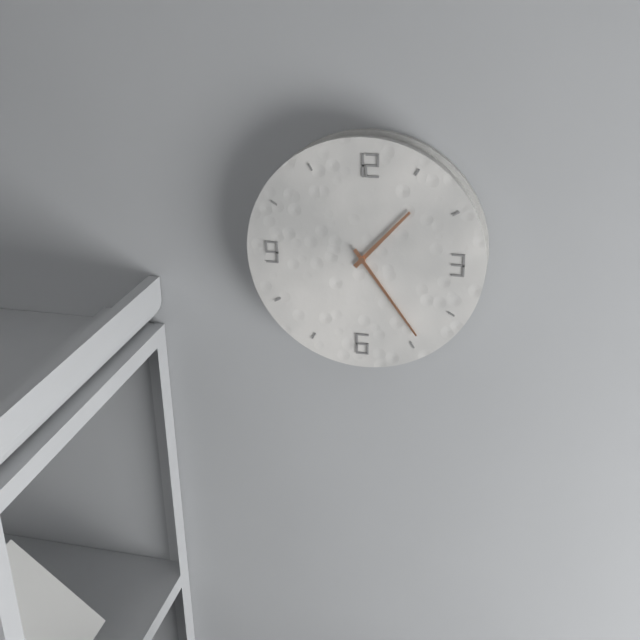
1:24
